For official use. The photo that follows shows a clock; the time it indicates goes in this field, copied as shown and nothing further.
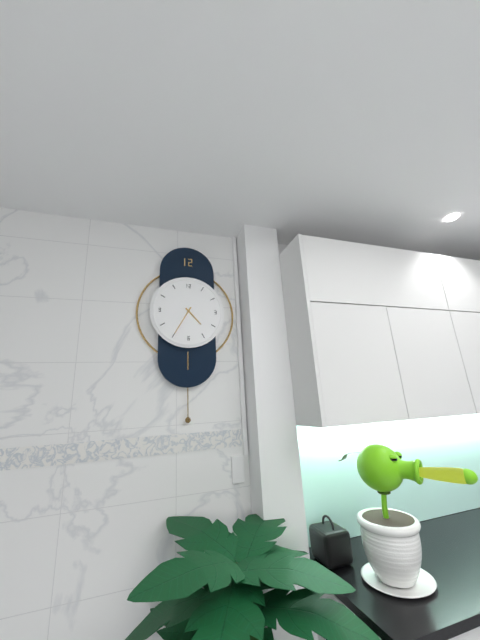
4:35
